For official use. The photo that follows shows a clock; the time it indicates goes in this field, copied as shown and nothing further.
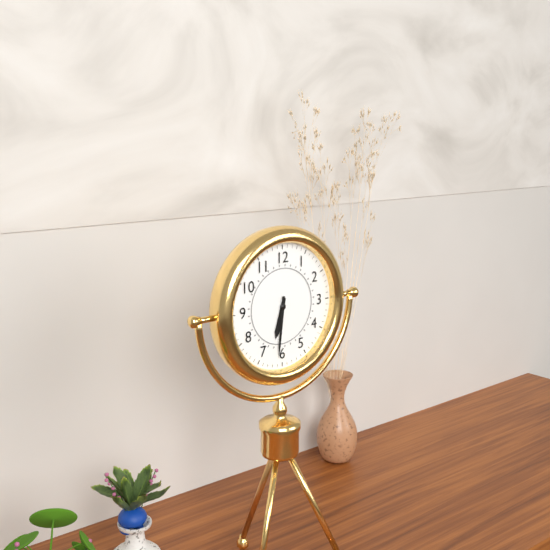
6:31
